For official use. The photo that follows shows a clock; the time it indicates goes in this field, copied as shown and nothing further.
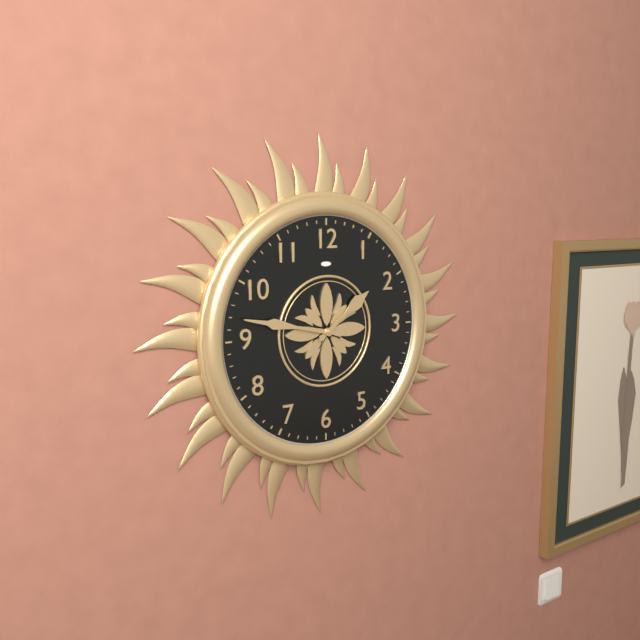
1:47
